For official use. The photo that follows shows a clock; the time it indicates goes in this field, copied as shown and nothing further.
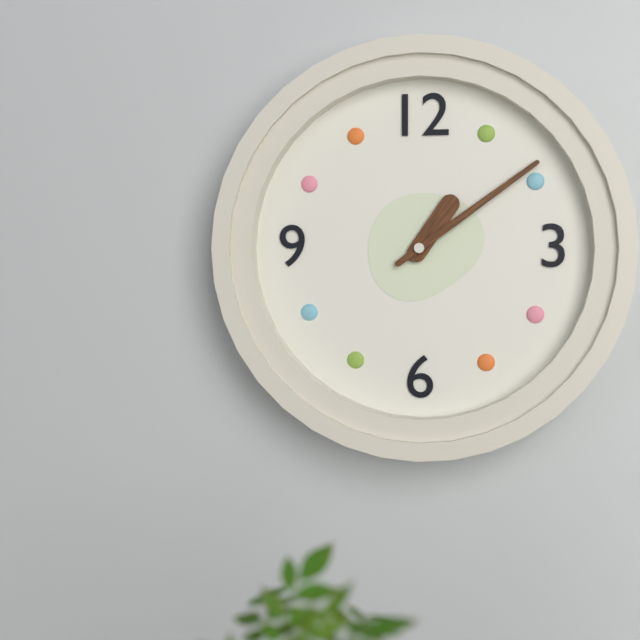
1:09
